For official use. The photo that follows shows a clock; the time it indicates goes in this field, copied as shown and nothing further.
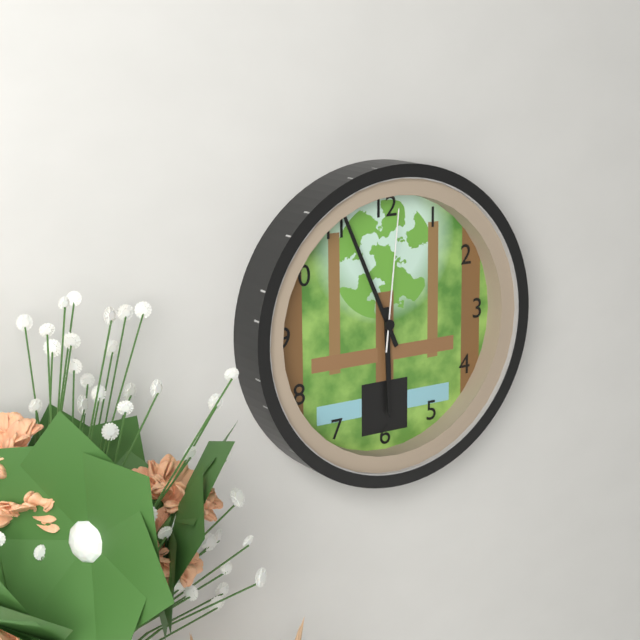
5:56:01
